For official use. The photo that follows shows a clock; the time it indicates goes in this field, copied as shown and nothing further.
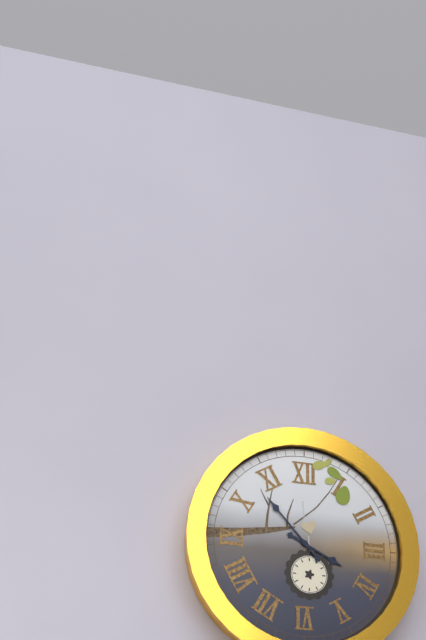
3:53
